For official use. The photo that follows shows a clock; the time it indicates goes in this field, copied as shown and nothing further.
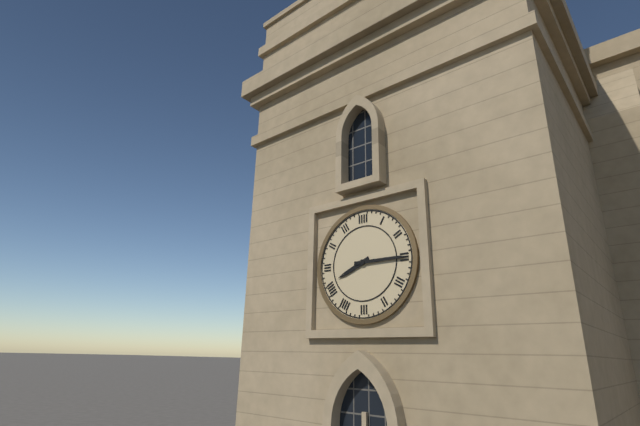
8:15
